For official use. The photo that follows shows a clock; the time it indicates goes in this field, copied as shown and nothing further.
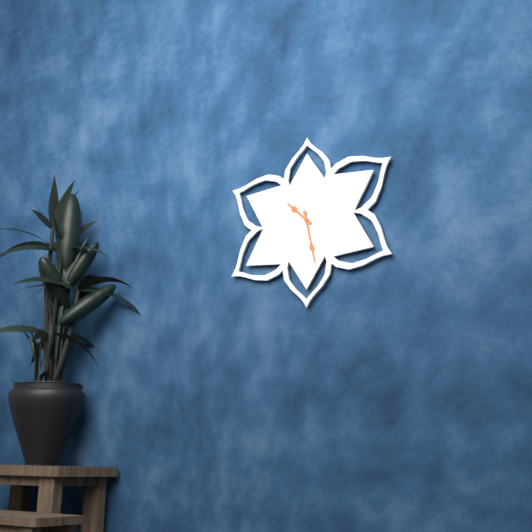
10:28
